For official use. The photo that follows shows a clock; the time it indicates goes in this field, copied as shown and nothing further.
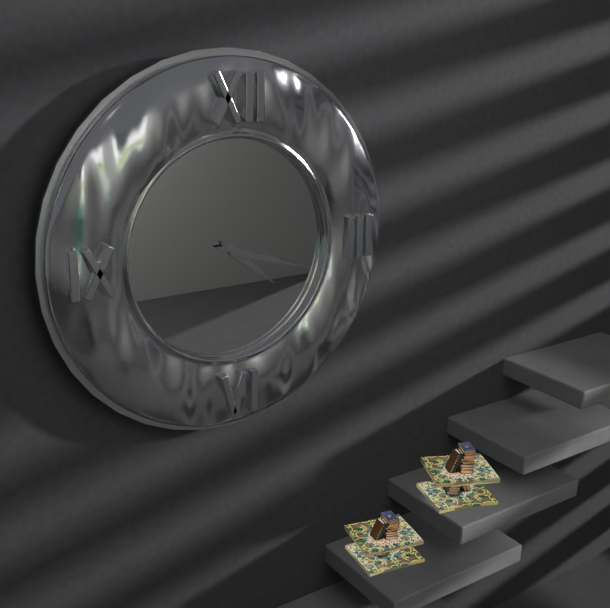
4:18
